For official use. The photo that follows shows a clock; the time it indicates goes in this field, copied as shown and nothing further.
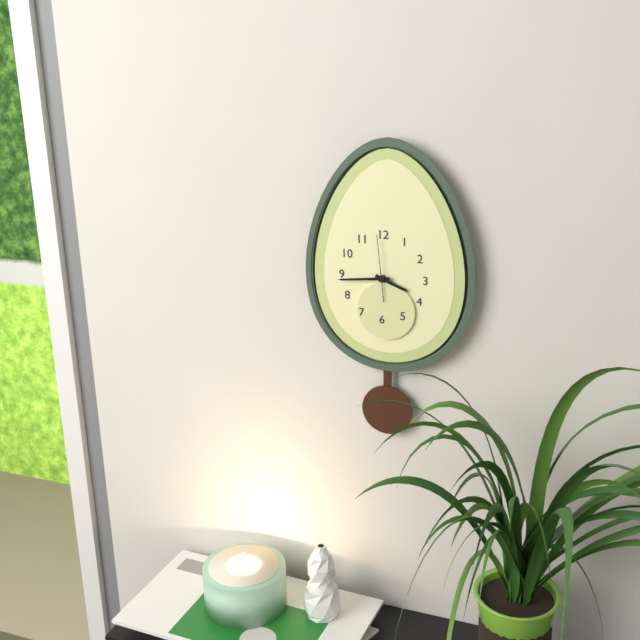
3:44:59
